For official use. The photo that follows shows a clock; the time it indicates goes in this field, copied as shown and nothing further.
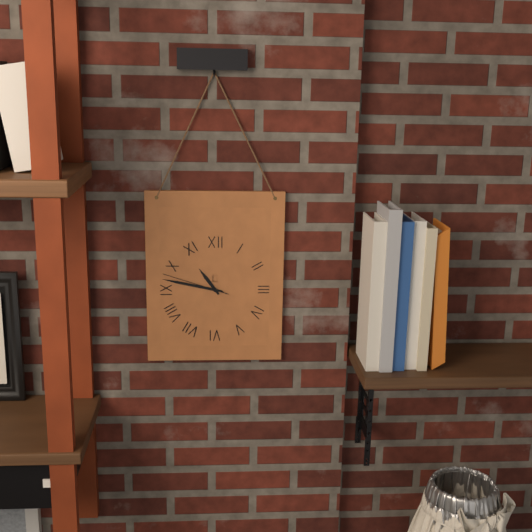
10:47:48
